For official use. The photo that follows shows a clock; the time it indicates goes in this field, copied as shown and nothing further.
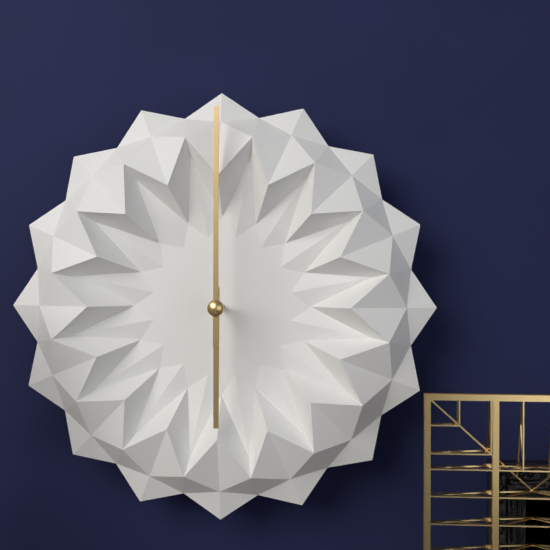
6:00
